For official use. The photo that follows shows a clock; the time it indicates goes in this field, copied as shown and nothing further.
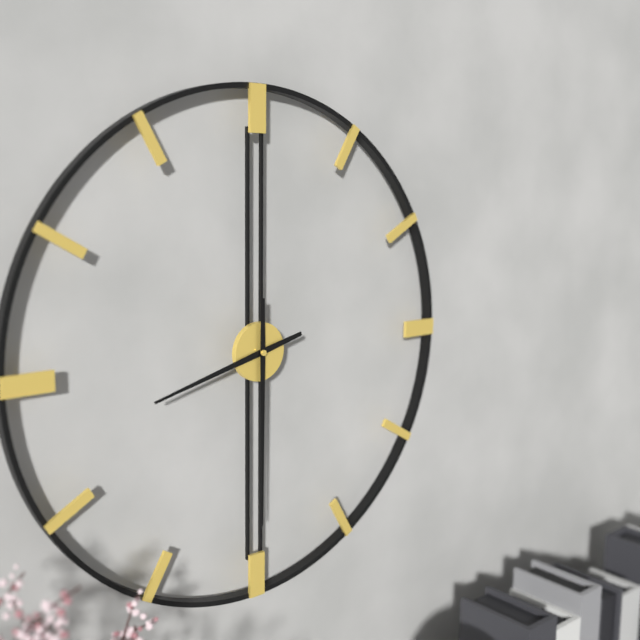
8:30
